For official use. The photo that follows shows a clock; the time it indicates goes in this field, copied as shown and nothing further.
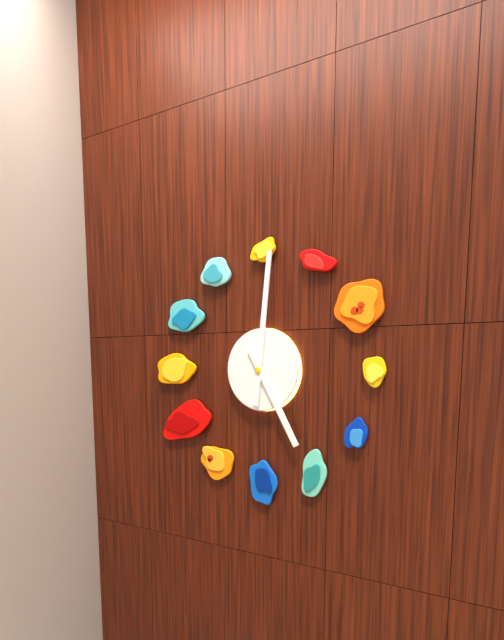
5:01
